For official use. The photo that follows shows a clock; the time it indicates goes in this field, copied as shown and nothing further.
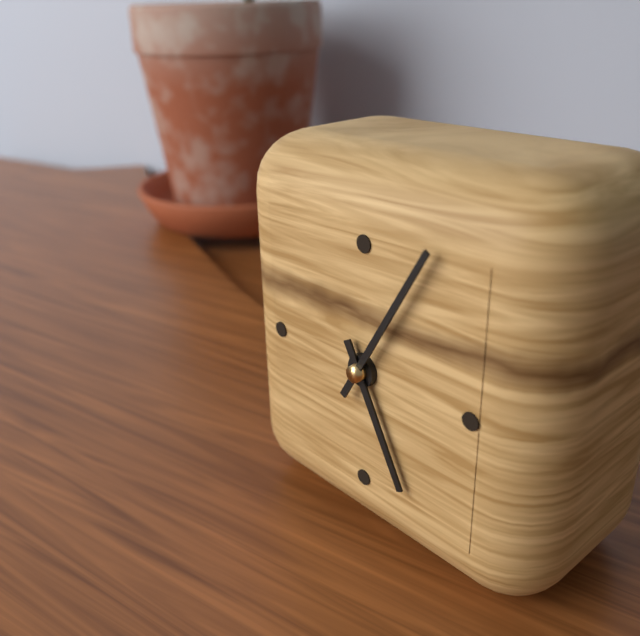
5:05
